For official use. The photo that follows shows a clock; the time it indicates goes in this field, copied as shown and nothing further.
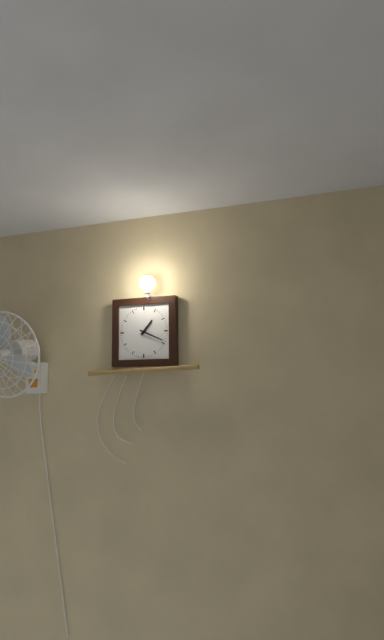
1:19
